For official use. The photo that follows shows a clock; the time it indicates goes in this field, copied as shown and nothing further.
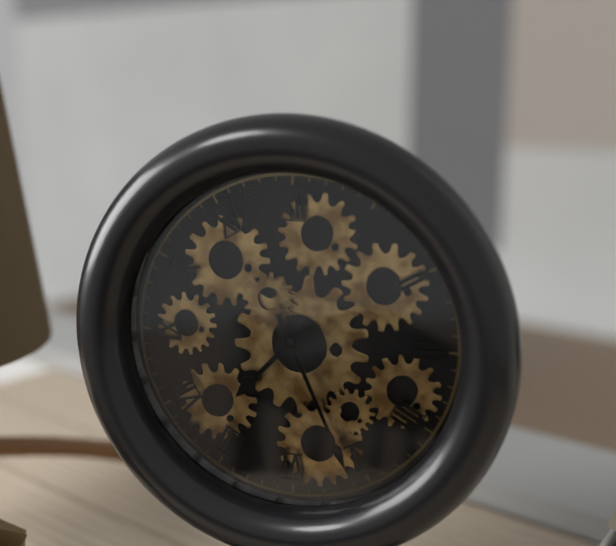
7:26
